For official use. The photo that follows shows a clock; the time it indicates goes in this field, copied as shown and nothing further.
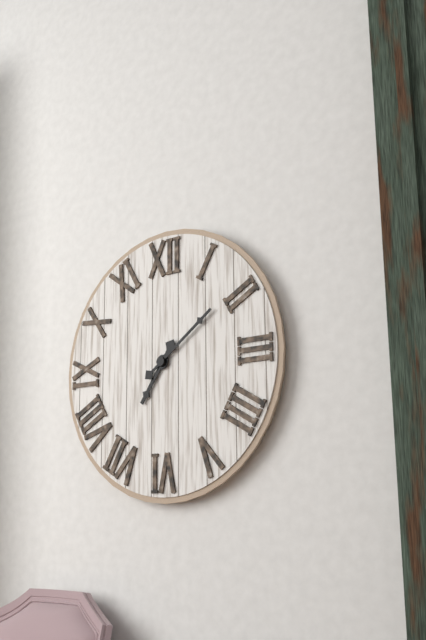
7:09
